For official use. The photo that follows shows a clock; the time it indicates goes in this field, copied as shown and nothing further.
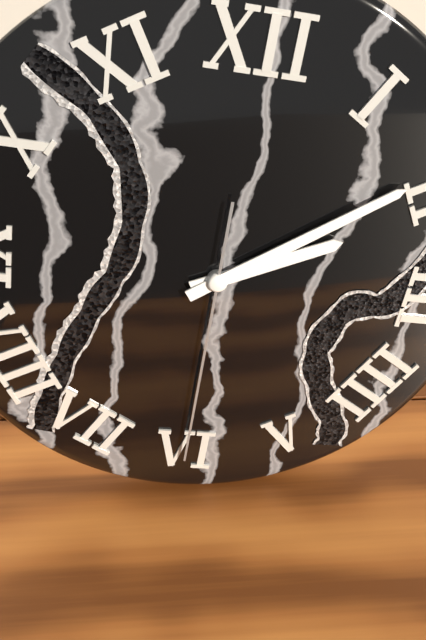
2:09:30
